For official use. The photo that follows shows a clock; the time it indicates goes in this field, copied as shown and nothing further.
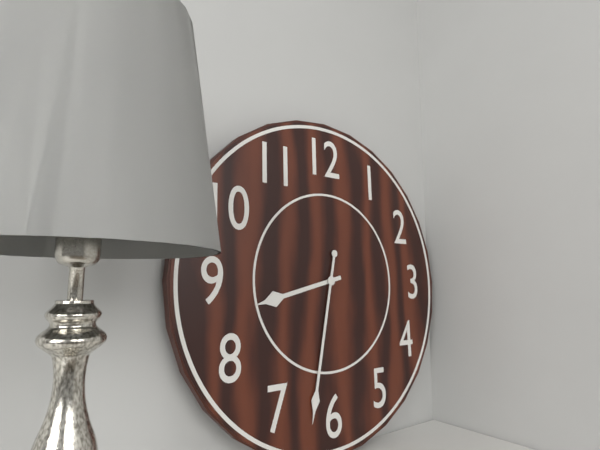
8:32
